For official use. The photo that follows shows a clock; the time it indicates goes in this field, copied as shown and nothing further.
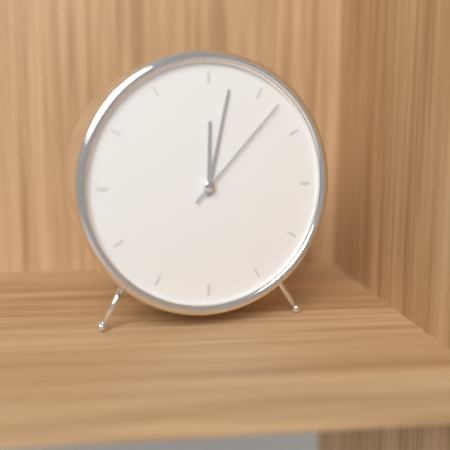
12:02:07
